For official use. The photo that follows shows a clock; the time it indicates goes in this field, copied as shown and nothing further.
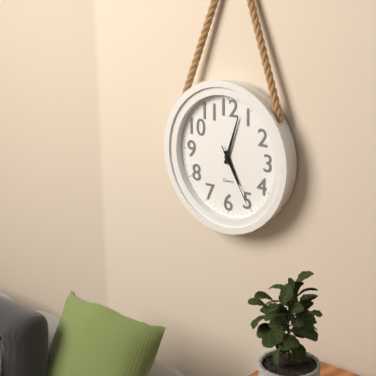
5:03:25
